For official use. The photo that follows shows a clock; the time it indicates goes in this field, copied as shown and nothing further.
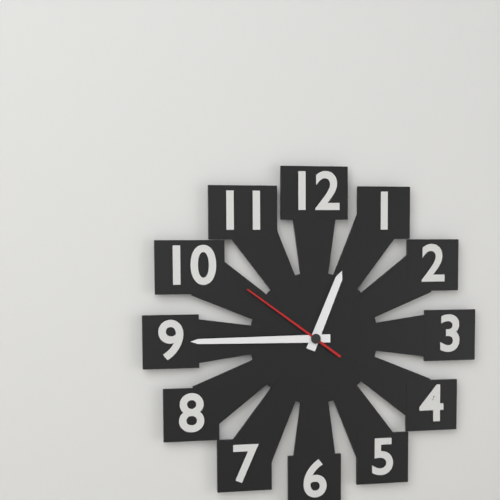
12:45:51
